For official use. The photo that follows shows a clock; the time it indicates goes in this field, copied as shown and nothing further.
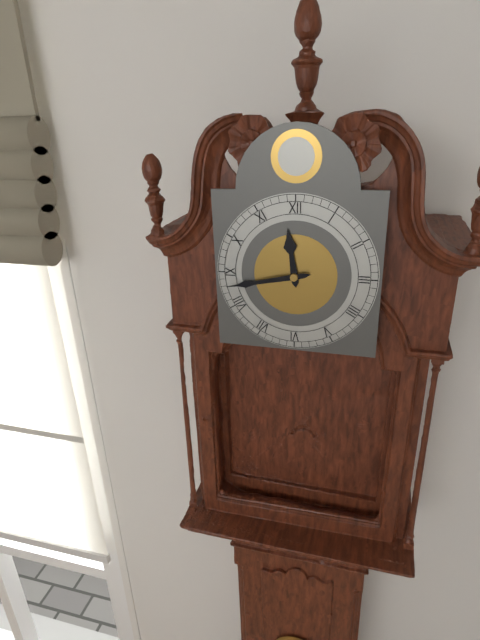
11:43
